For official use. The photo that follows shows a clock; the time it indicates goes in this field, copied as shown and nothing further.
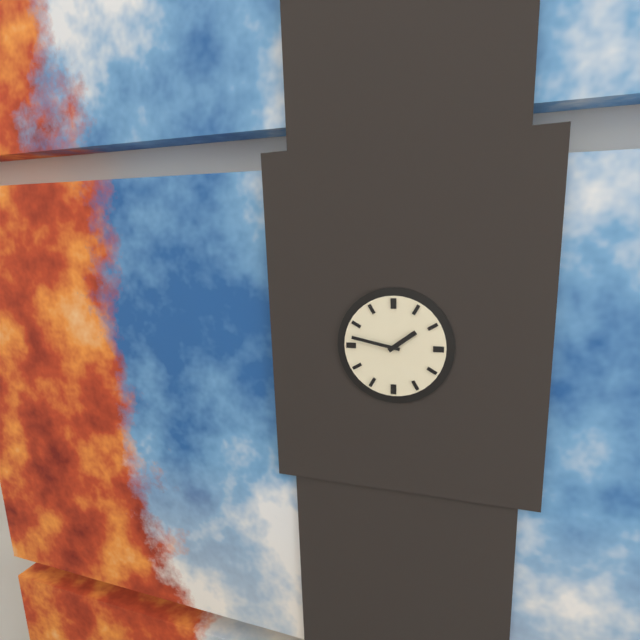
1:47
